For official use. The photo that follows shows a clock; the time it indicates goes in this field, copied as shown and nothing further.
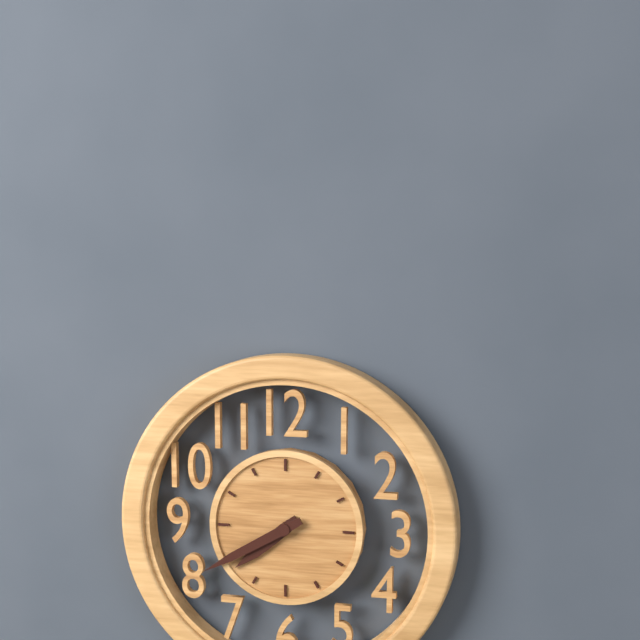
7:40
